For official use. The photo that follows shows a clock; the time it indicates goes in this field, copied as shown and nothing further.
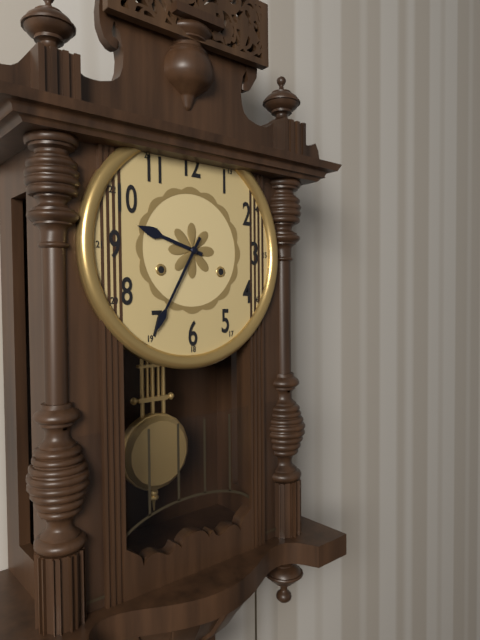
9:35
